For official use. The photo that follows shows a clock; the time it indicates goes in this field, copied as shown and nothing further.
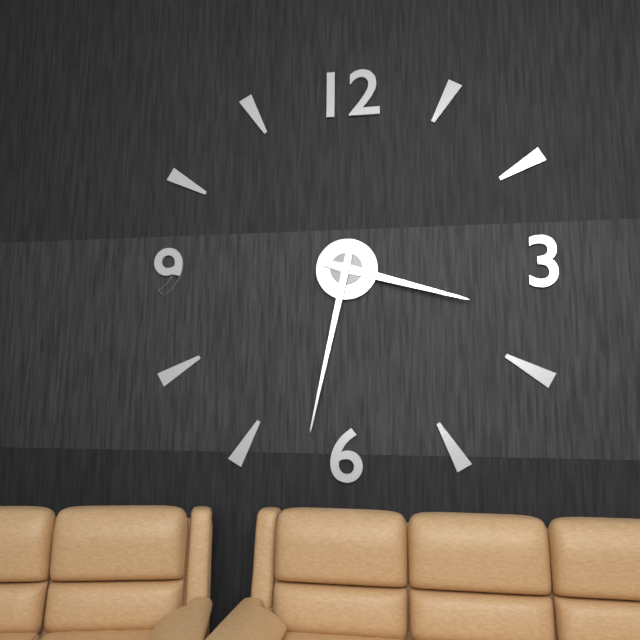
3:32
